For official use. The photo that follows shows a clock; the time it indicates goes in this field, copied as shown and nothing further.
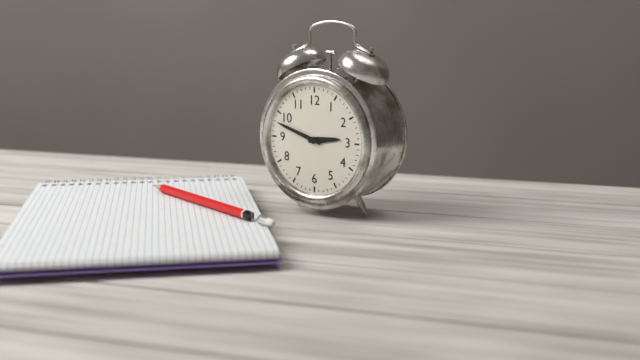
2:48
